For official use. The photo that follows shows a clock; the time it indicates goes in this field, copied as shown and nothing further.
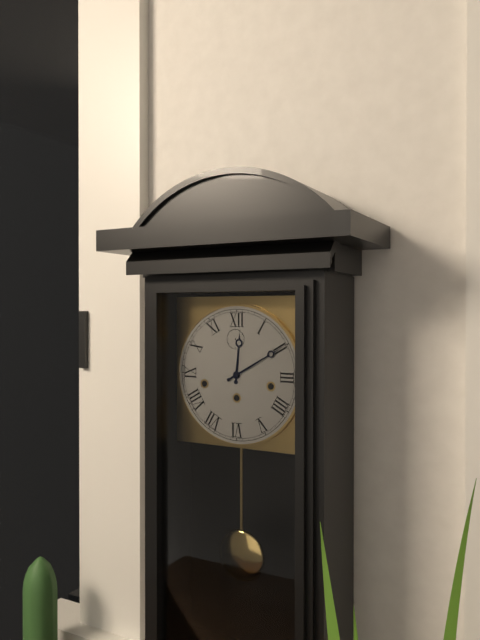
12:10
